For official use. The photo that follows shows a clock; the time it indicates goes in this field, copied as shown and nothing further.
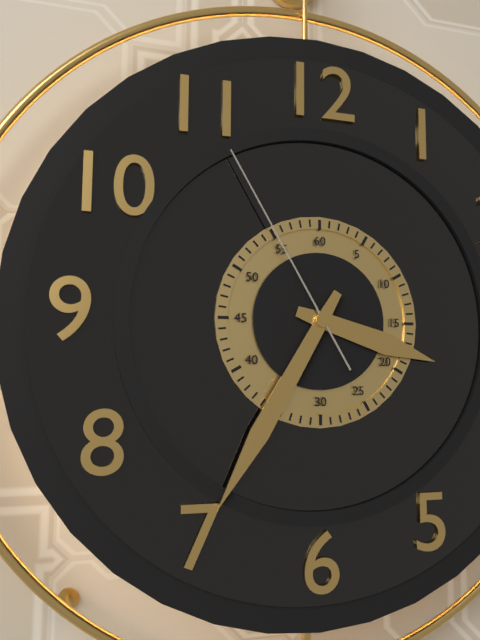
3:35:55
